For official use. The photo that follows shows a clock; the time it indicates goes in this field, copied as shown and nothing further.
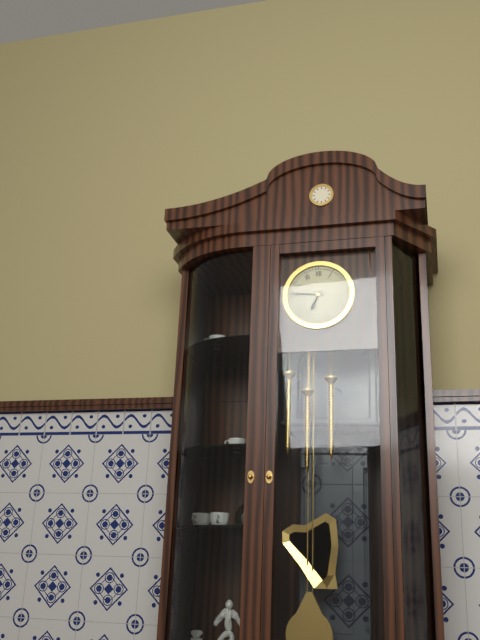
6:46
